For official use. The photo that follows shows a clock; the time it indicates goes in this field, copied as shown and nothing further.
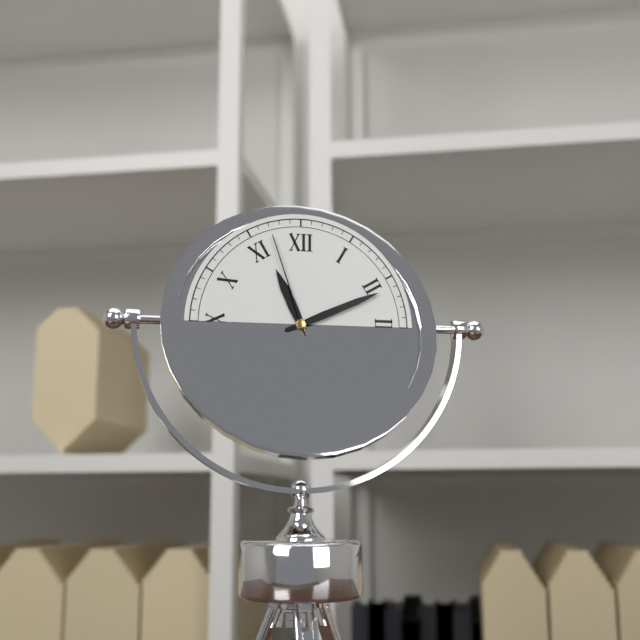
11:11:57
